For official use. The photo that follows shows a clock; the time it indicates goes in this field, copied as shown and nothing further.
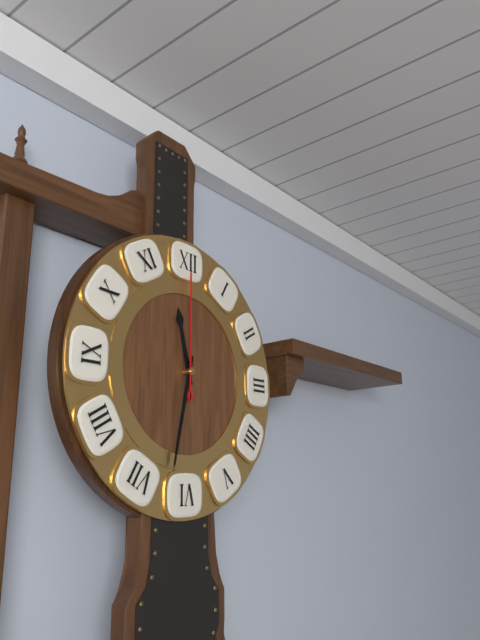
11:32:00
